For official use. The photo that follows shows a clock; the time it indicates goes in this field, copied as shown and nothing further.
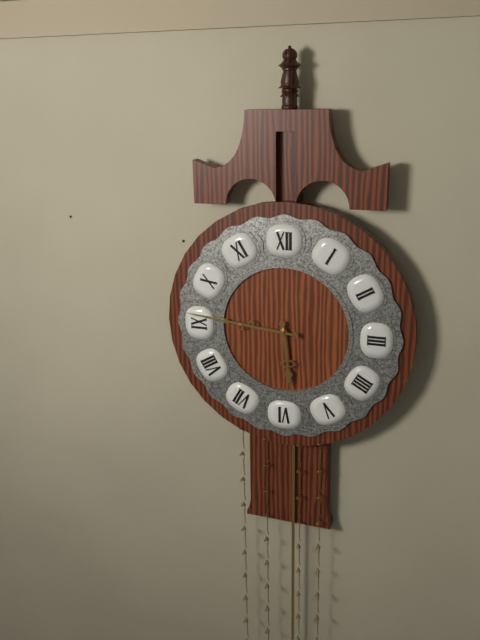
5:46
